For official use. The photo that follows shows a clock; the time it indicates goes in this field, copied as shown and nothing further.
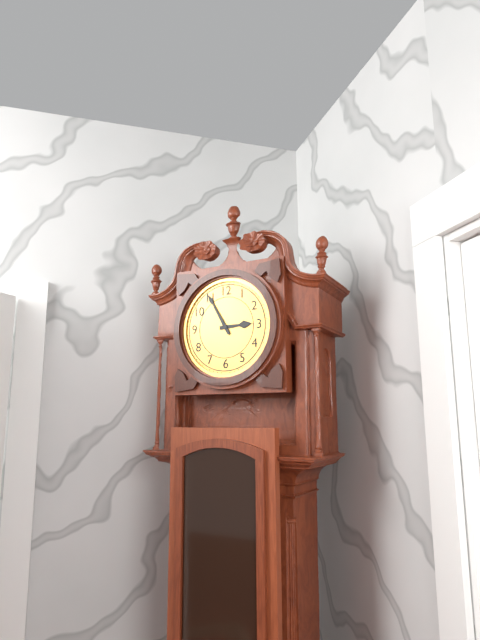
2:55
